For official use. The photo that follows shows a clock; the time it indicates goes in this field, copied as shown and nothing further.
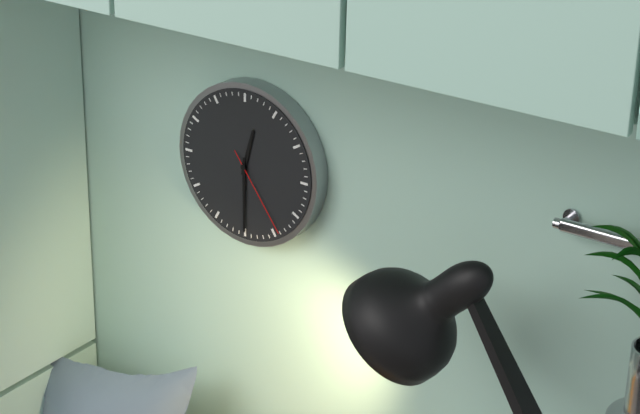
12:30:24
